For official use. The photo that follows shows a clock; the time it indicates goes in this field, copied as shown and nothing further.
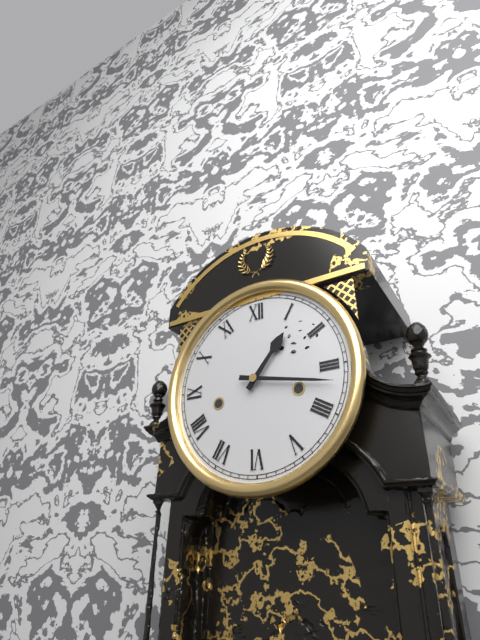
1:17
